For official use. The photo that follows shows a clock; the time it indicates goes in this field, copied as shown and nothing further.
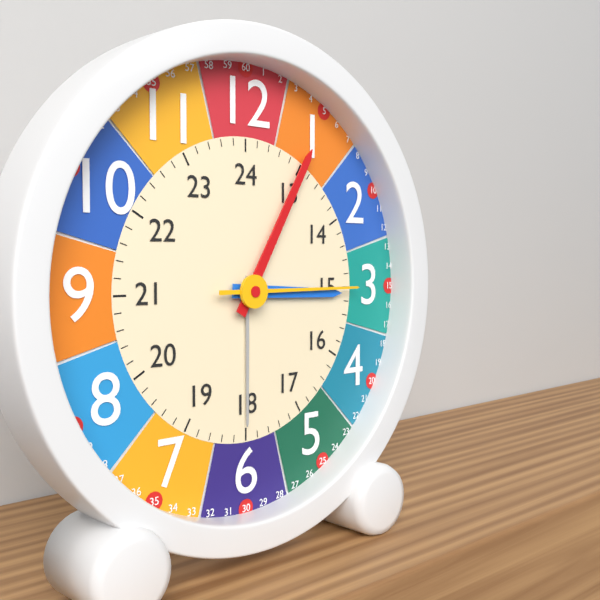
3:05:15
